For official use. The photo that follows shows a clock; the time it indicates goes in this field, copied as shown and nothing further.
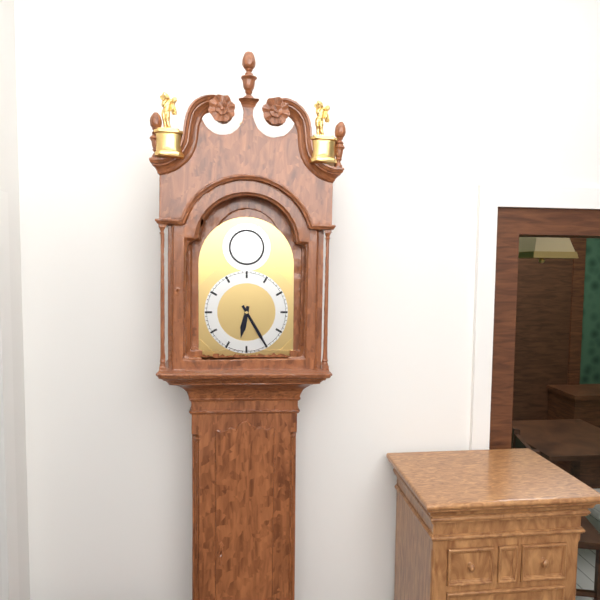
6:25
